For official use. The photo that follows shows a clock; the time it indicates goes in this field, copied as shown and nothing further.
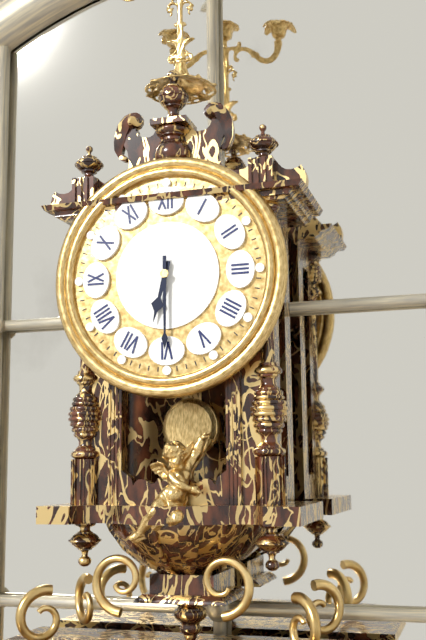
6:30
